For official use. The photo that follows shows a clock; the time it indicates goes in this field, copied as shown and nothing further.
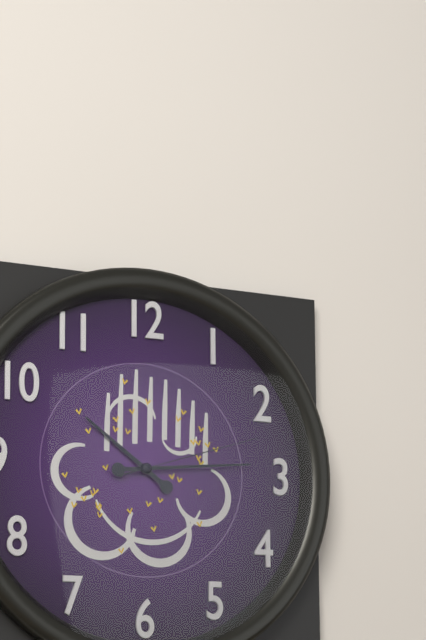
10:14:12
